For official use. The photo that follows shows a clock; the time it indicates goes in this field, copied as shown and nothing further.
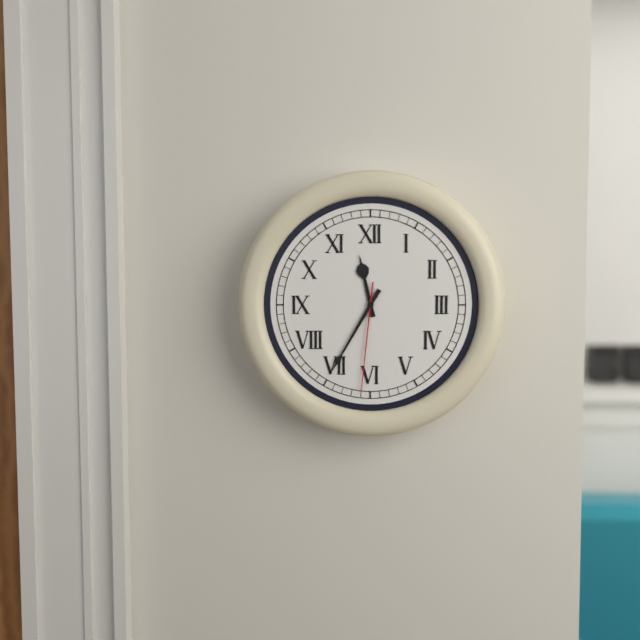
11:35:31
